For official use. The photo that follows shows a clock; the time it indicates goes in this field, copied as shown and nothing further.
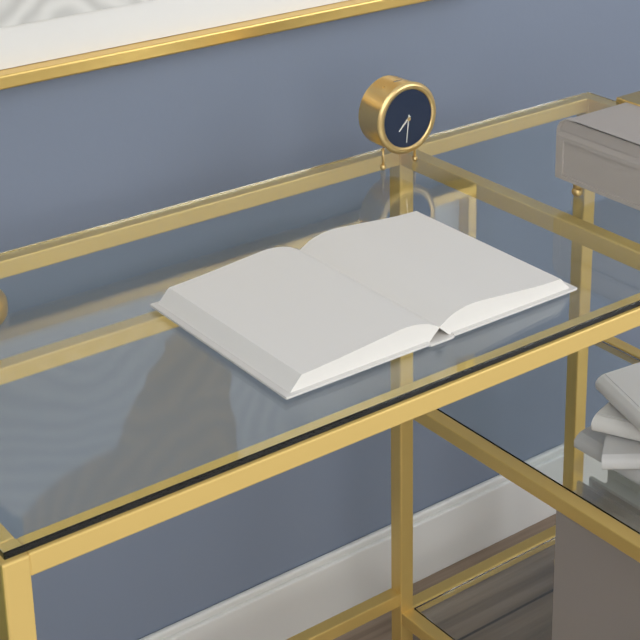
7:31
